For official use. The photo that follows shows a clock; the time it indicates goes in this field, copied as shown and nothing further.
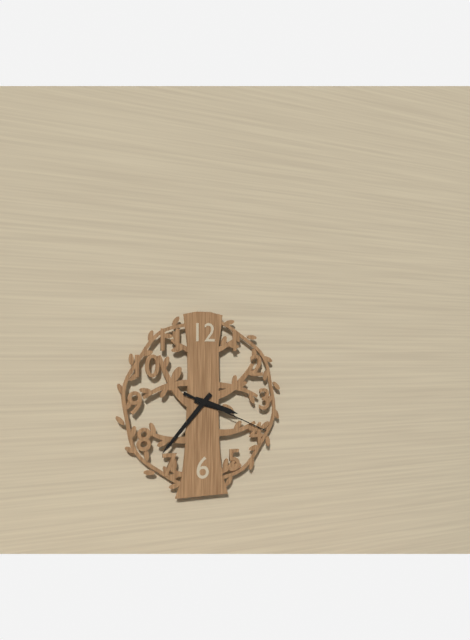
3:37:19
